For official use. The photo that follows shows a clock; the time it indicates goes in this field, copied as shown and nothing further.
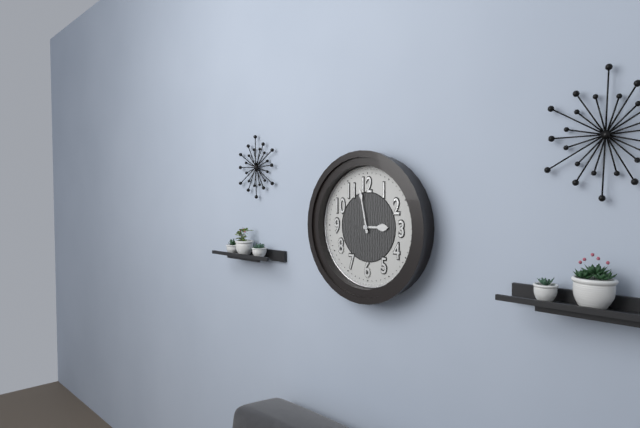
2:58
